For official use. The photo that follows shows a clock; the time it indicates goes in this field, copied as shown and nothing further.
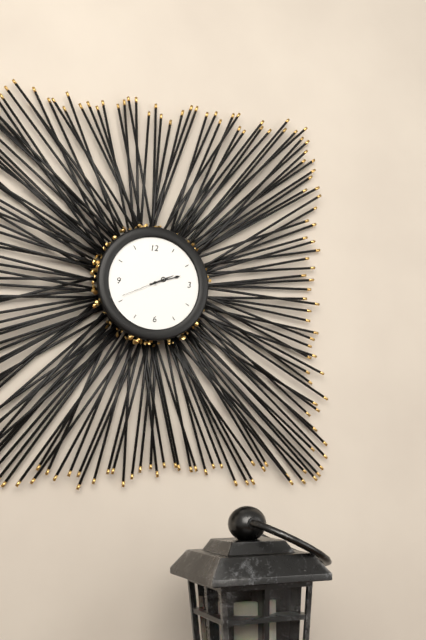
2:12
